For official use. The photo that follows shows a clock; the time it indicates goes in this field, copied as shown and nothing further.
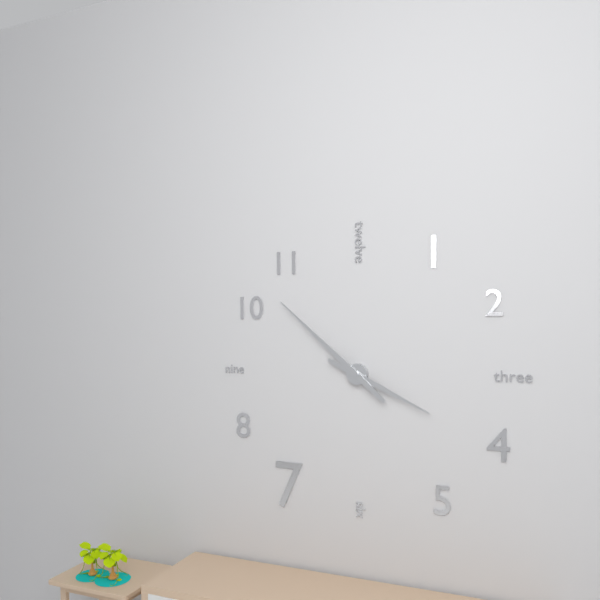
3:52
